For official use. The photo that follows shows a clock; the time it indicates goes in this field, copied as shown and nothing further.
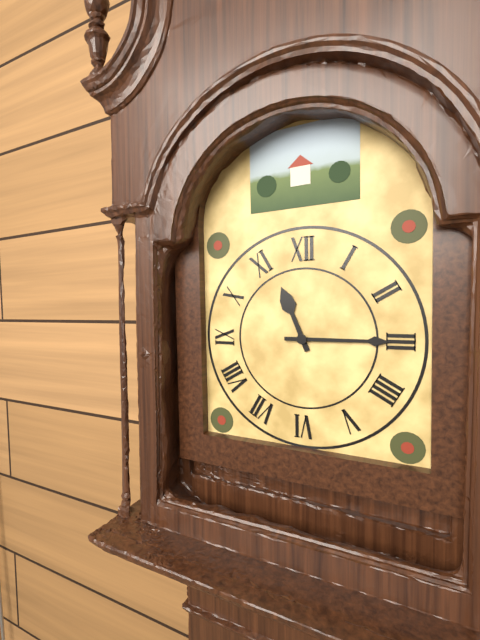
11:15
